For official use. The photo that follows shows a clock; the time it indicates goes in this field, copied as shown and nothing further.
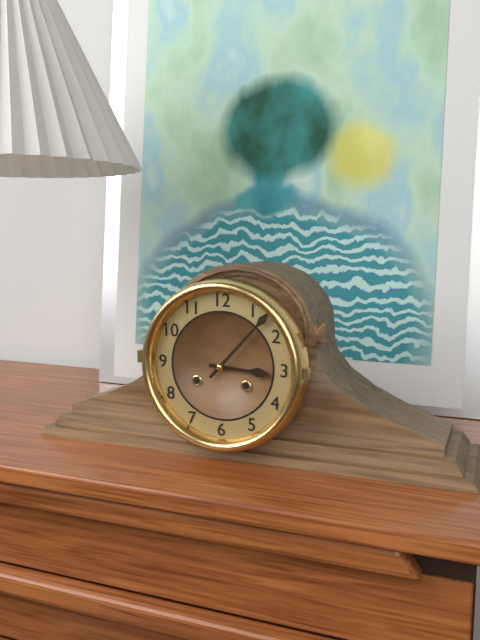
3:07
